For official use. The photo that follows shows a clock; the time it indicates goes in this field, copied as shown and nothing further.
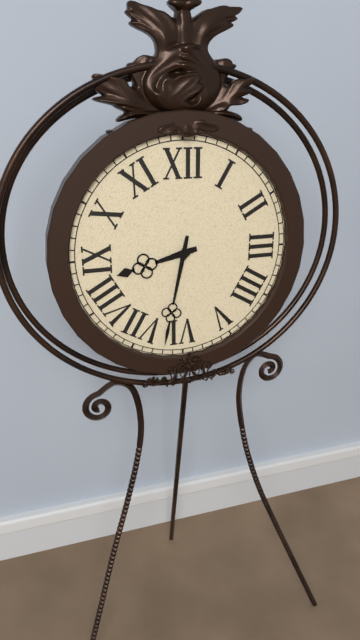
8:32
